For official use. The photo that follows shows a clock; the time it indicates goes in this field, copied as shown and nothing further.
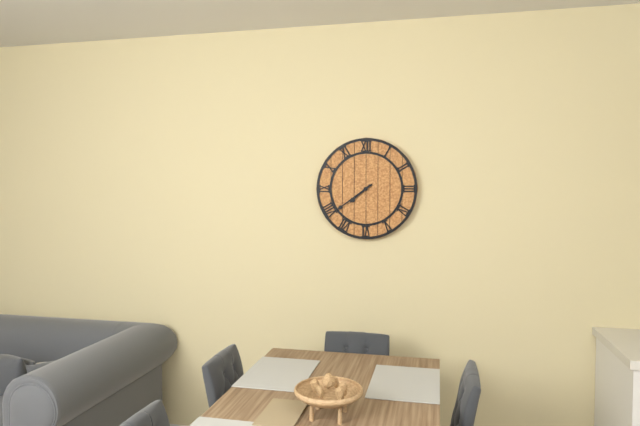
7:39
